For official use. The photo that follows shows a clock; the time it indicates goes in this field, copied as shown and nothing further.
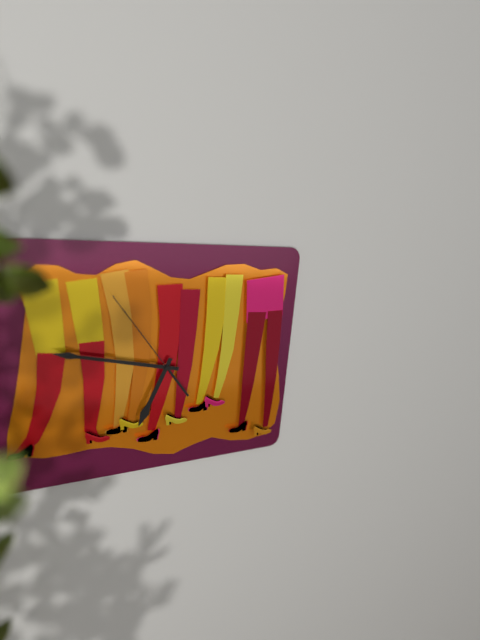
6:47:54
